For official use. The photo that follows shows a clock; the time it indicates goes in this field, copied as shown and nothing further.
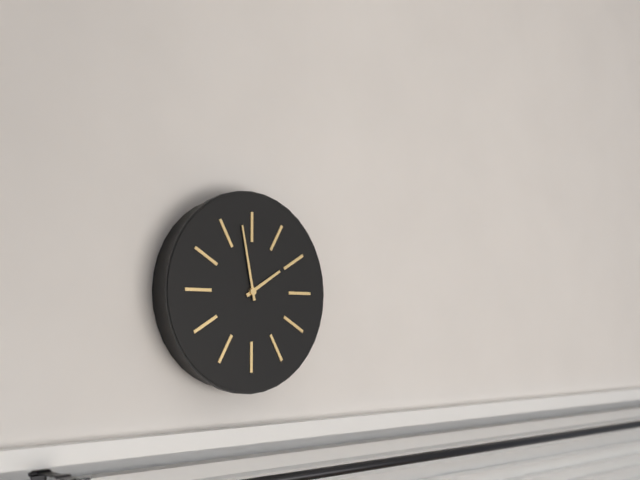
1:58
